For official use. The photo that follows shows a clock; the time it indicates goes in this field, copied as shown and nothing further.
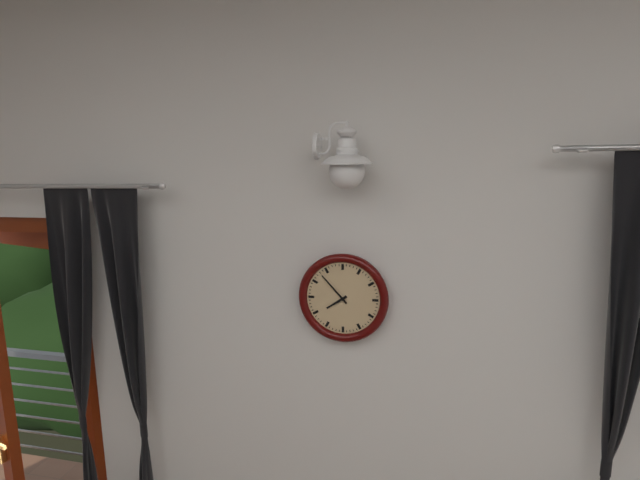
7:53
